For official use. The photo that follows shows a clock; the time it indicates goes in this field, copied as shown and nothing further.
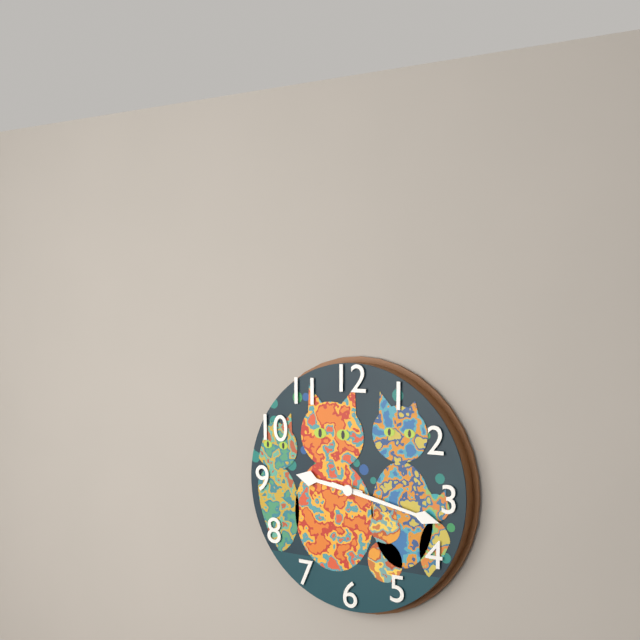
9:17
